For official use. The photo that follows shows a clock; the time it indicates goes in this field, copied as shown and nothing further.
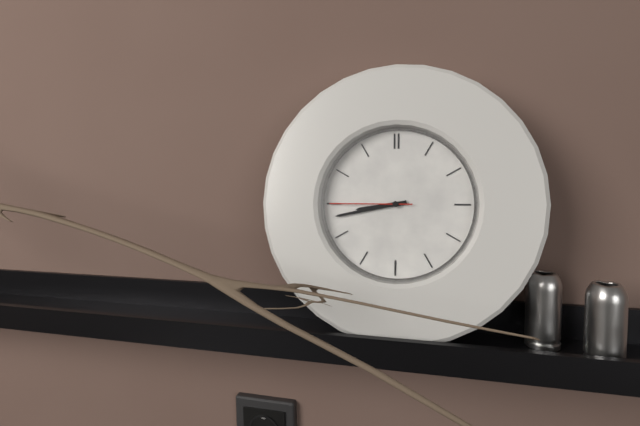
8:43:45
